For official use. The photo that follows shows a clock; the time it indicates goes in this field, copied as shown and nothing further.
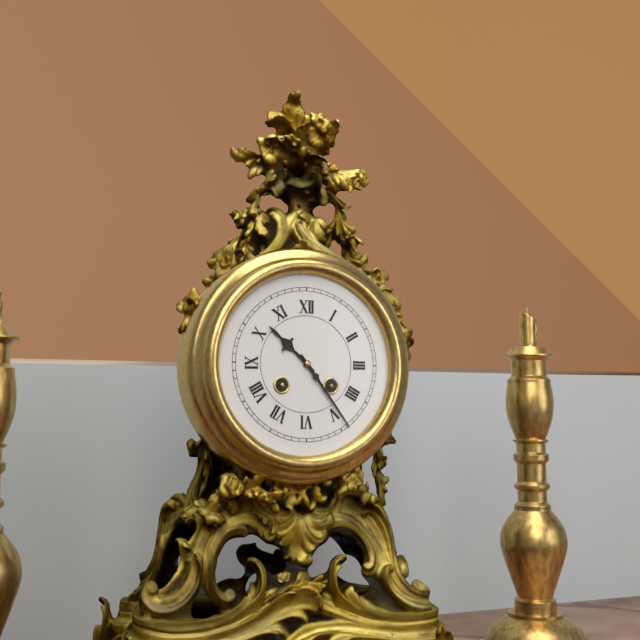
10:24
